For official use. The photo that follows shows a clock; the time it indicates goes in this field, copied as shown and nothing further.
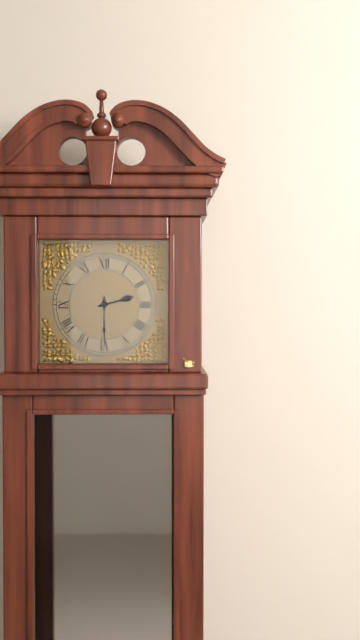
2:30
